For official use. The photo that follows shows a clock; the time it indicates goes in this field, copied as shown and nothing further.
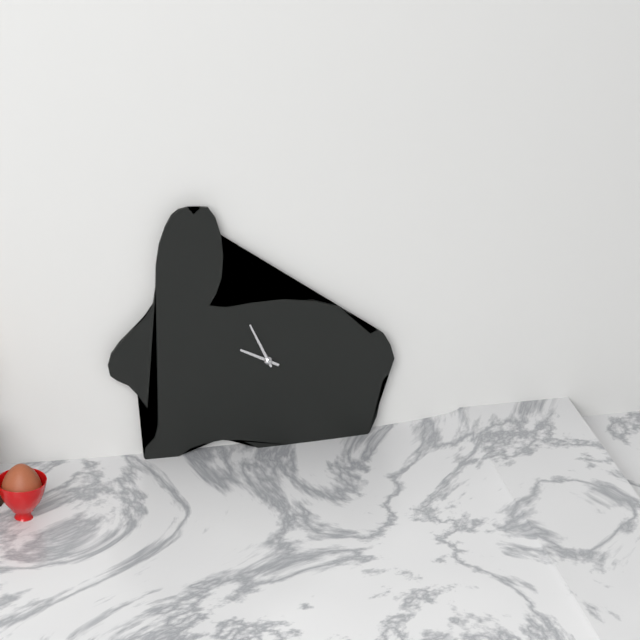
9:56
